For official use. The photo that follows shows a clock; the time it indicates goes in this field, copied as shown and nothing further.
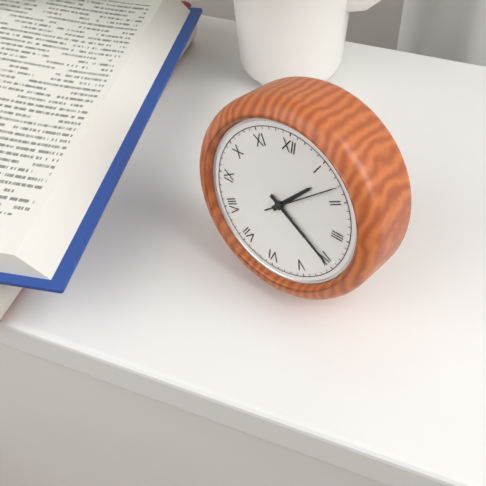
1:20:08
